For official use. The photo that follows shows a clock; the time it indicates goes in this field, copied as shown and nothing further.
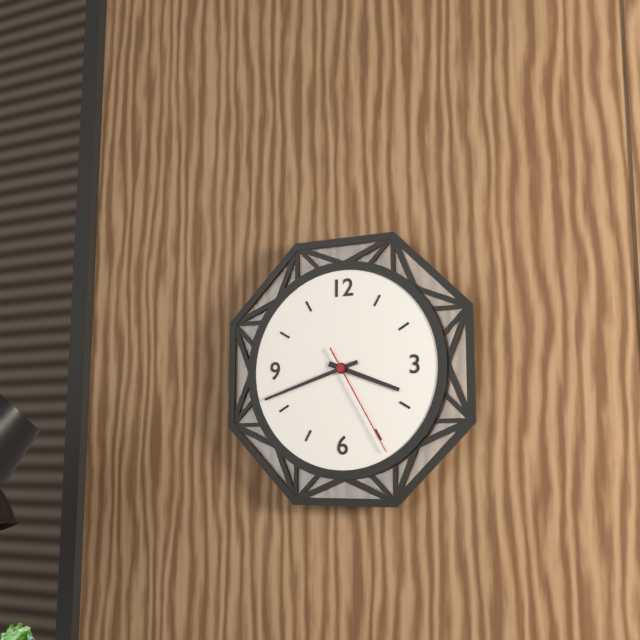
3:42:25
